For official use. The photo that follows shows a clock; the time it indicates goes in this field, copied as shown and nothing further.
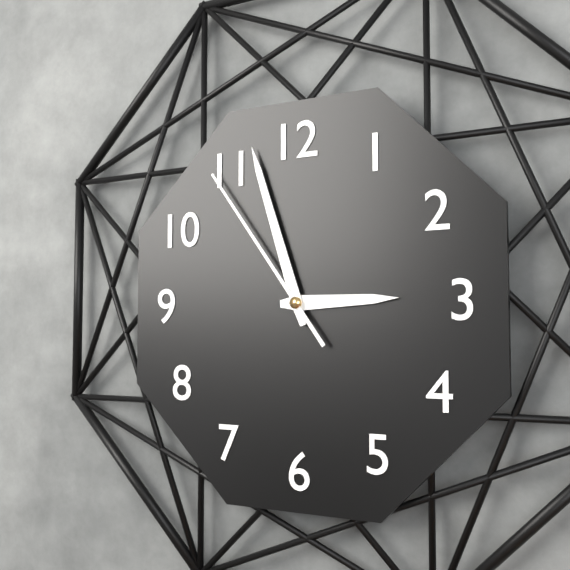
2:57:54
